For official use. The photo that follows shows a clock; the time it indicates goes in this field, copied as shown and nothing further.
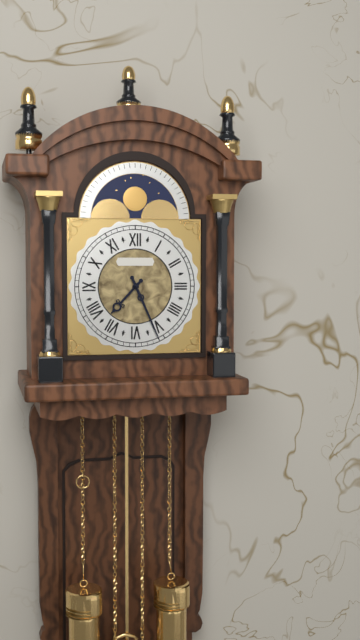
7:26
